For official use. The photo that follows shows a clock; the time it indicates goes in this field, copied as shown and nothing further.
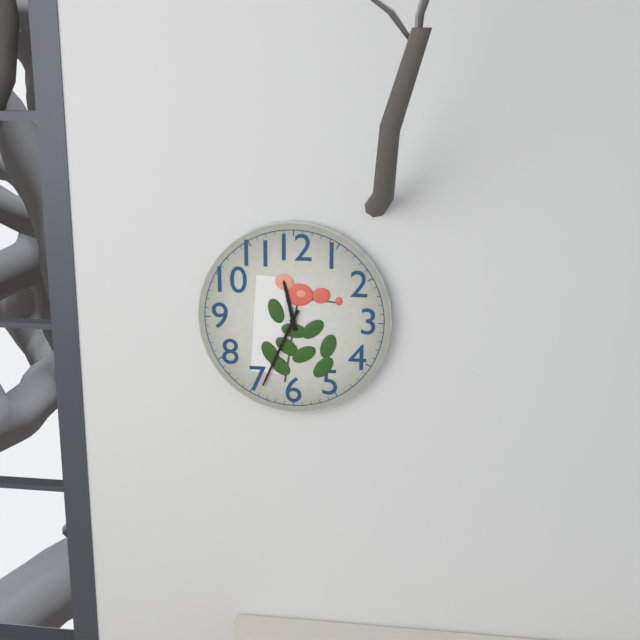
11:34
